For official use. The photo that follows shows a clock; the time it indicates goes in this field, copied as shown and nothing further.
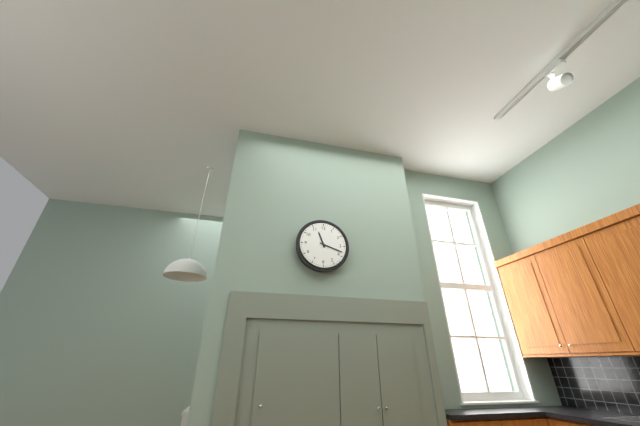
11:18
